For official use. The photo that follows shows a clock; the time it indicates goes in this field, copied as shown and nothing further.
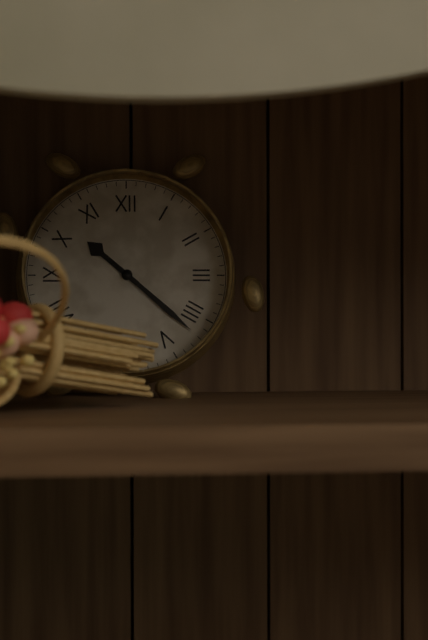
10:22
